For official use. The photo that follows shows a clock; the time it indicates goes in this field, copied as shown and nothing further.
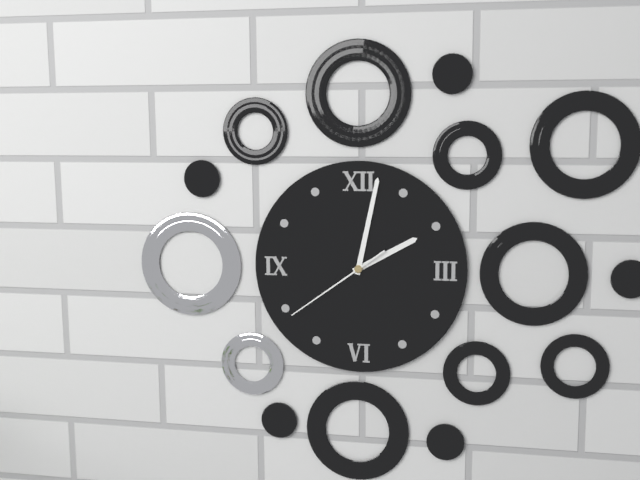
2:02:39
